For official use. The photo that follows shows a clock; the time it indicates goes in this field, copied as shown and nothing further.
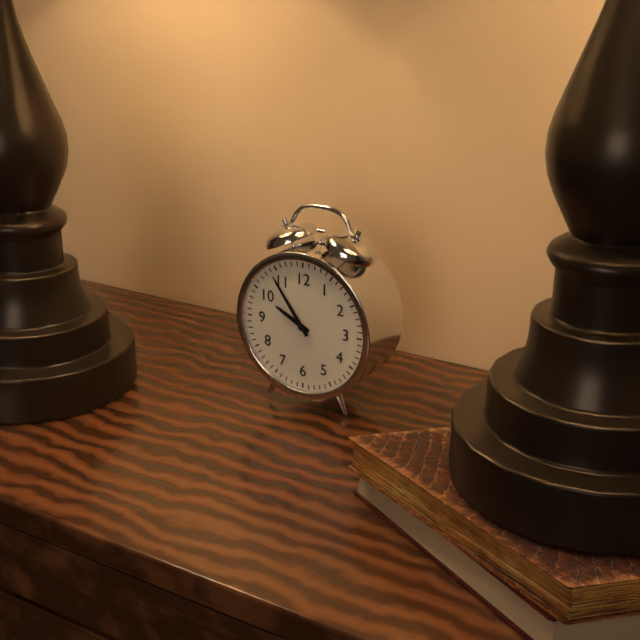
9:54
